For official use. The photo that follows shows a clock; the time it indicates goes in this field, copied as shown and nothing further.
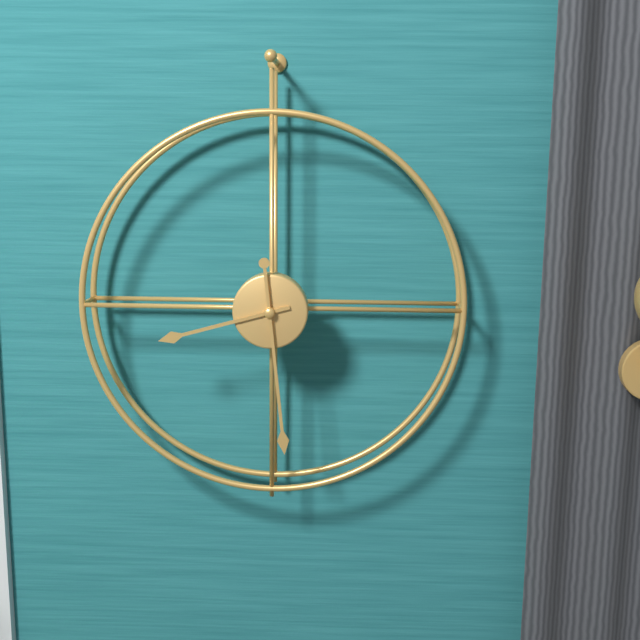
8:29
